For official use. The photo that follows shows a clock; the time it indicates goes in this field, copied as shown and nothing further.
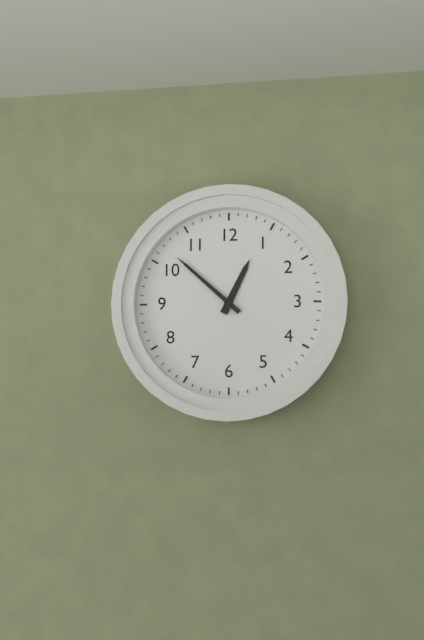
12:52
